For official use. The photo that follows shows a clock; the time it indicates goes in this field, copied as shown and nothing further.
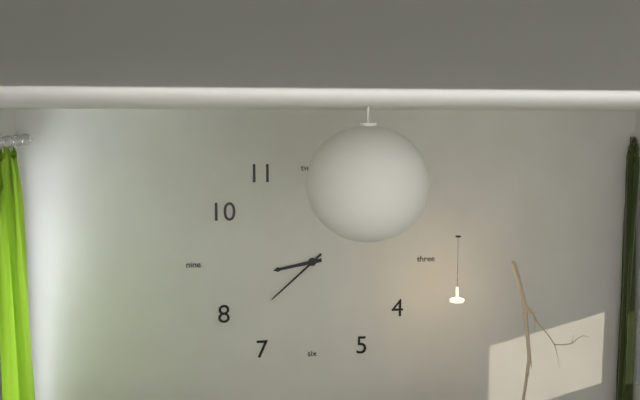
8:38
